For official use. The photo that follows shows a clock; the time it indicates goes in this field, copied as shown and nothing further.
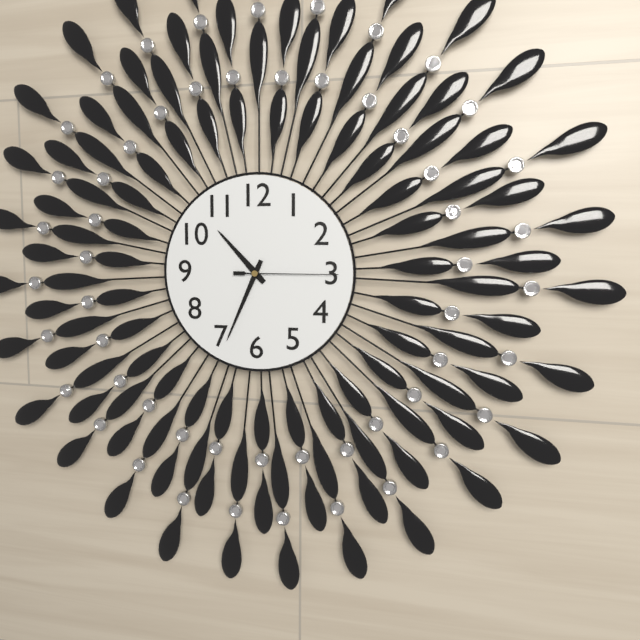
10:34:15
